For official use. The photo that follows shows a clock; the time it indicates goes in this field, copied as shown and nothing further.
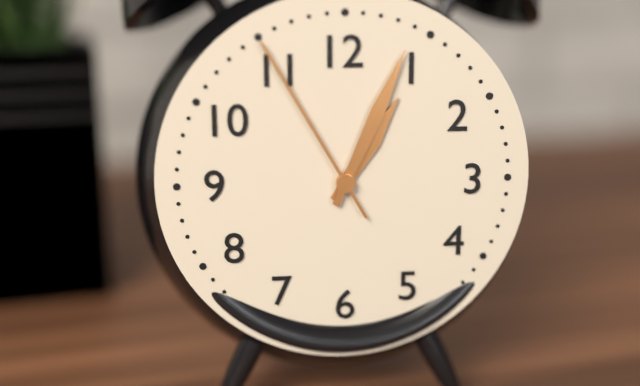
1:04:55
